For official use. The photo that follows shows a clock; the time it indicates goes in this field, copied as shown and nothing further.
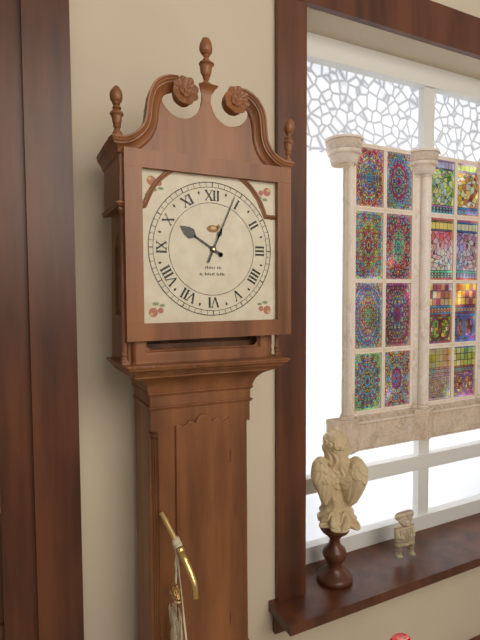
10:04
